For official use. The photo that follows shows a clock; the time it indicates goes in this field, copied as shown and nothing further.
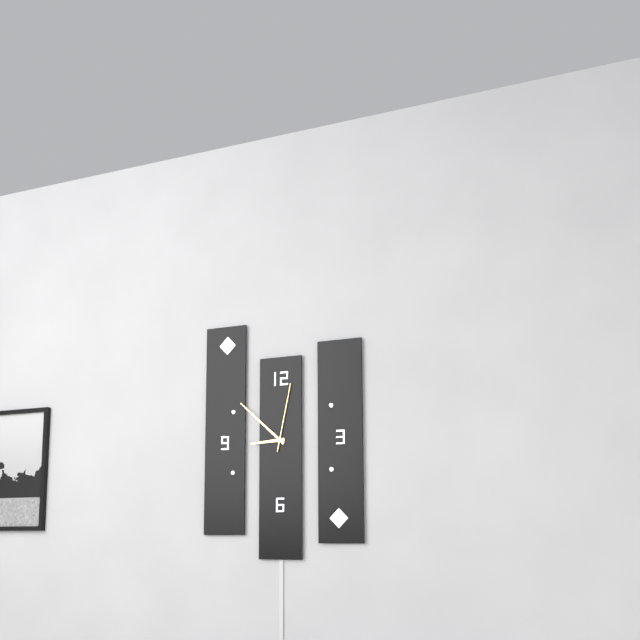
8:52:02
